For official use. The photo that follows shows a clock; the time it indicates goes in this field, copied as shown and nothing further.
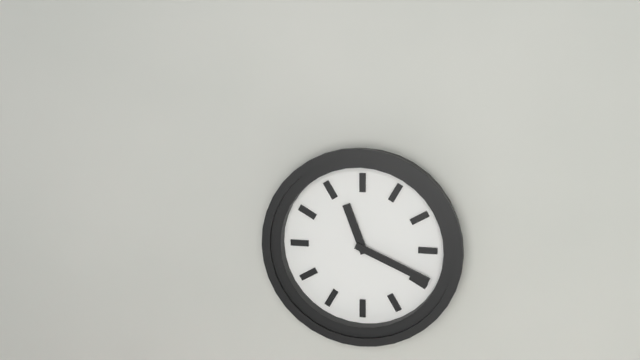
11:19
